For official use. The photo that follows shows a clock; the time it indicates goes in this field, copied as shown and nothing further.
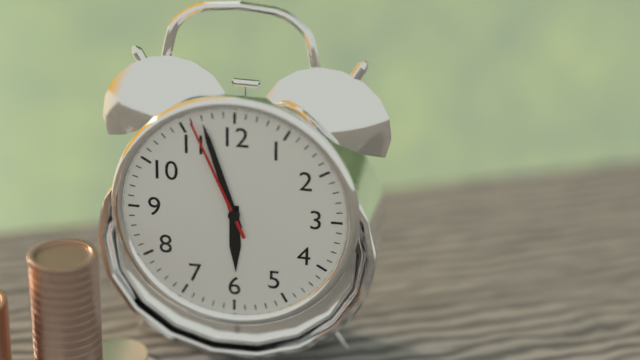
5:57:56
